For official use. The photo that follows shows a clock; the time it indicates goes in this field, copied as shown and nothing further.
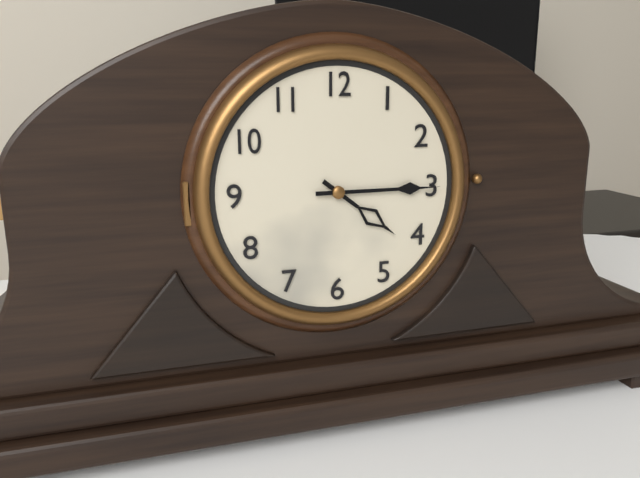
4:15
